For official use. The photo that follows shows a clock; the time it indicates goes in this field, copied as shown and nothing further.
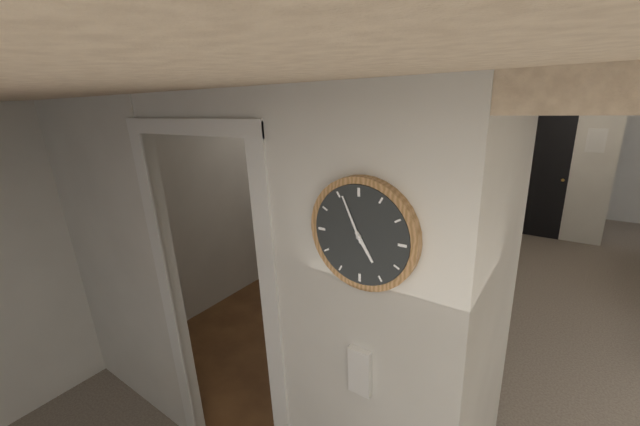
4:56
